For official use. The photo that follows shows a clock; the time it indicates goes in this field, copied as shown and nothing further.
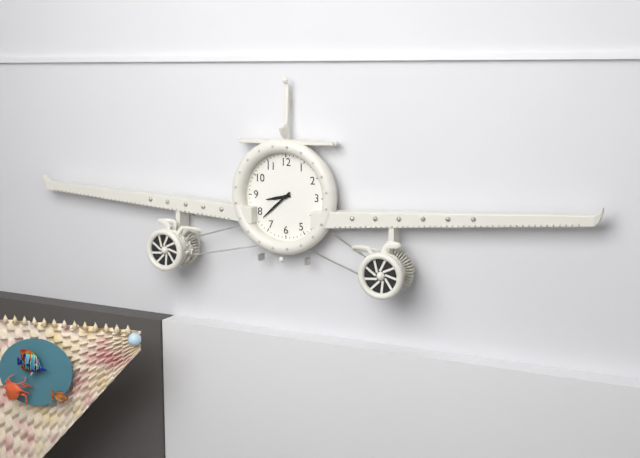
8:38
